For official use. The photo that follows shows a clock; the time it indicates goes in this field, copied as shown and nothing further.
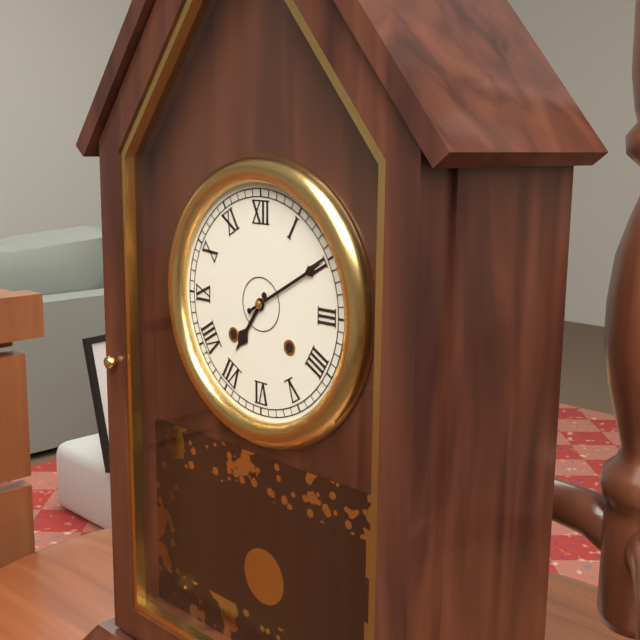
7:10
